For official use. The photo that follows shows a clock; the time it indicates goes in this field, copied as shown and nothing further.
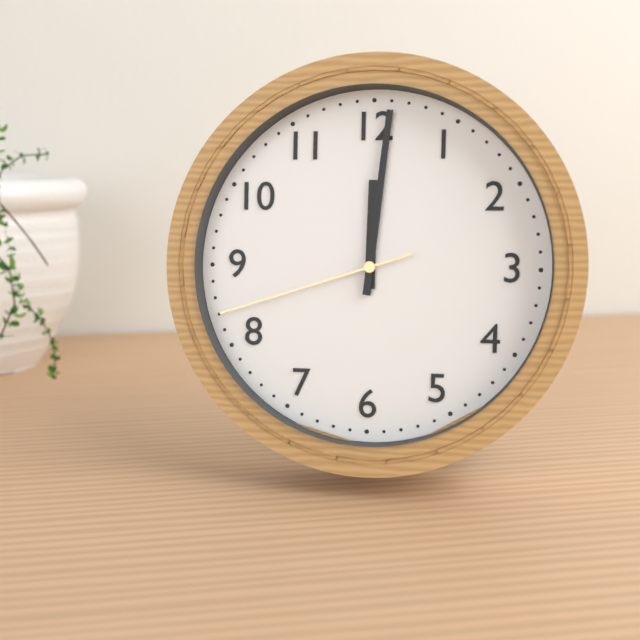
12:01:42
